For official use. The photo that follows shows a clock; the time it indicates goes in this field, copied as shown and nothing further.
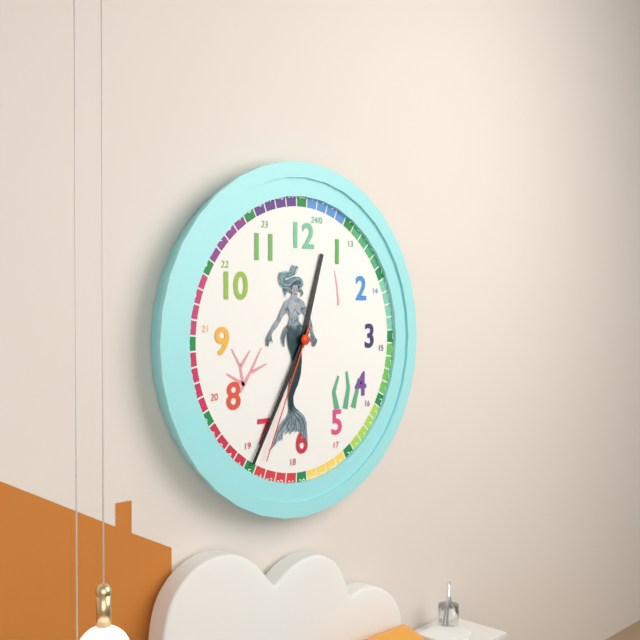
12:35:34
